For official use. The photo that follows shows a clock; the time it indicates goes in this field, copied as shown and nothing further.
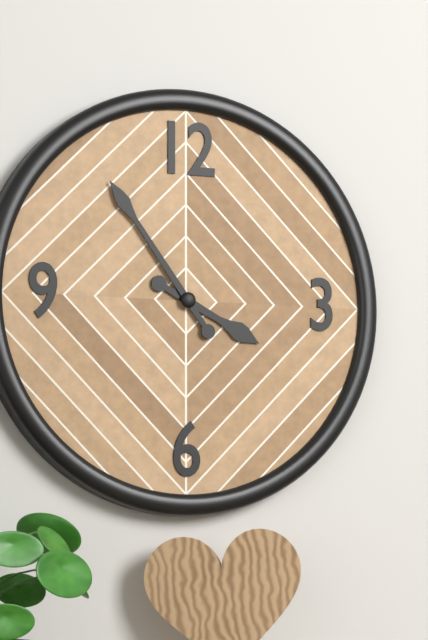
3:54
